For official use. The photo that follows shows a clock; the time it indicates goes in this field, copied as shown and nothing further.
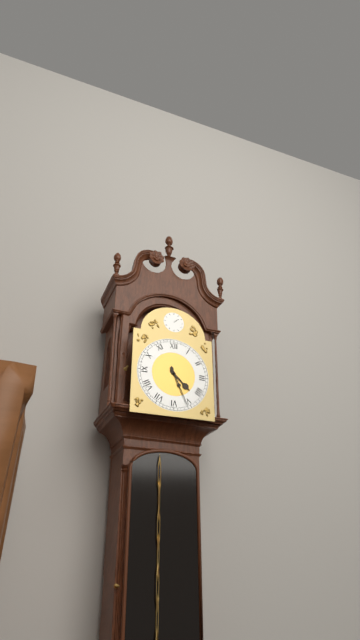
4:26
